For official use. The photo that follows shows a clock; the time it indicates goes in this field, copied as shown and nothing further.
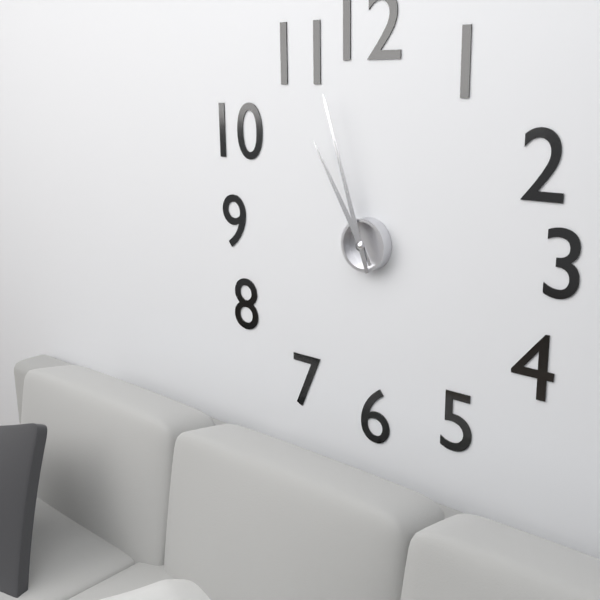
10:57
